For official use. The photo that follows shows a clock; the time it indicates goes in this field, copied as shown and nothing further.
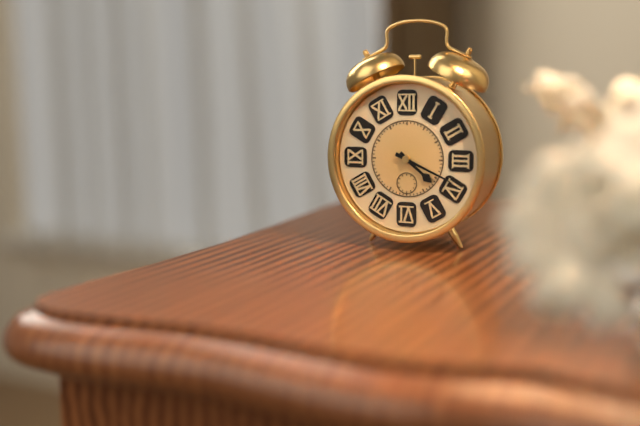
4:19
